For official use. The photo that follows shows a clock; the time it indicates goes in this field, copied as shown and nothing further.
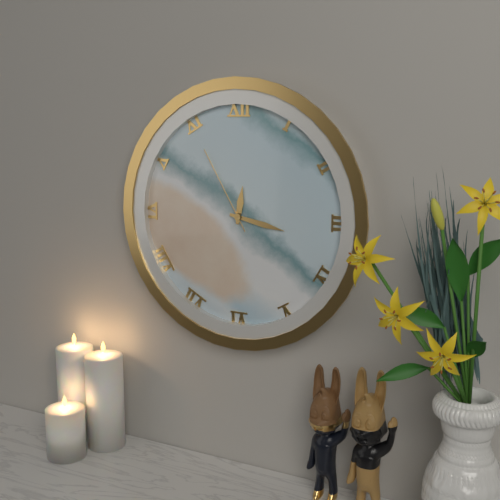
12:17:55
